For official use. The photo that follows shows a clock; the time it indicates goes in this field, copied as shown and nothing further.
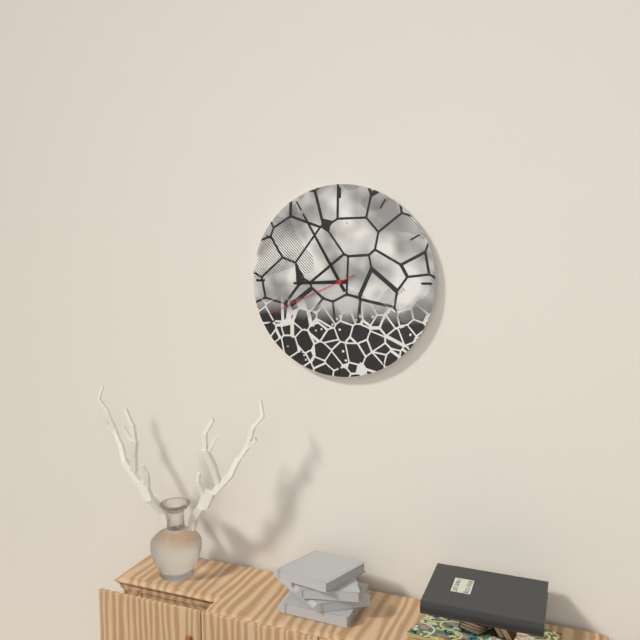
8:55:41
